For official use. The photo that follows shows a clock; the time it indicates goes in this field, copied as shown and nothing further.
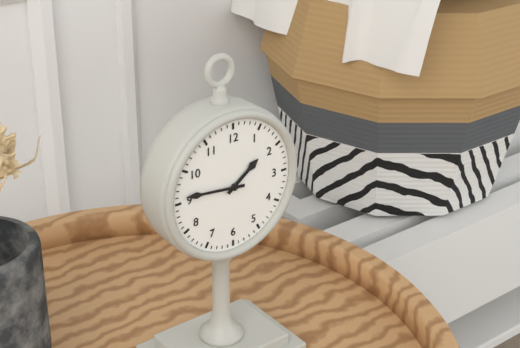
1:46
